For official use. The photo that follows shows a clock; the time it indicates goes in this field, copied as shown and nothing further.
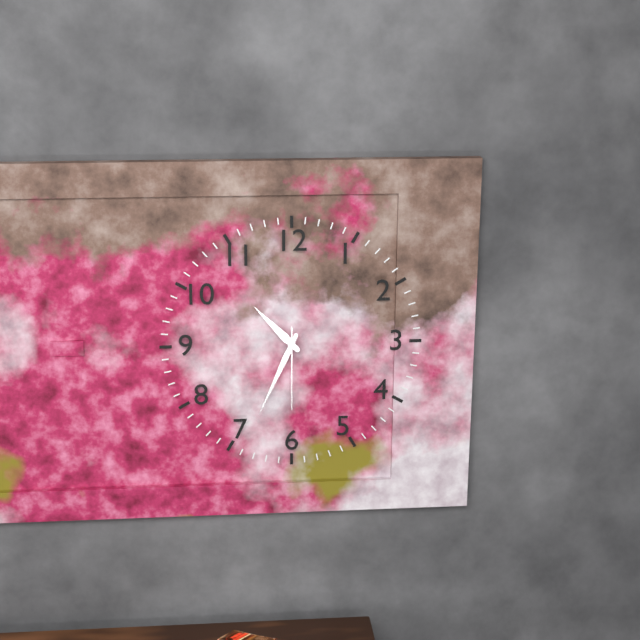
10:34:30
